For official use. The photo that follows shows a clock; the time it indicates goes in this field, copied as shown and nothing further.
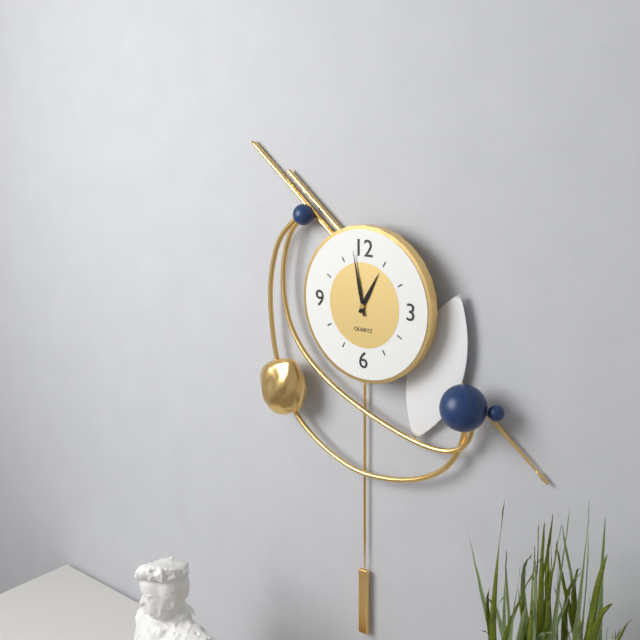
12:58
